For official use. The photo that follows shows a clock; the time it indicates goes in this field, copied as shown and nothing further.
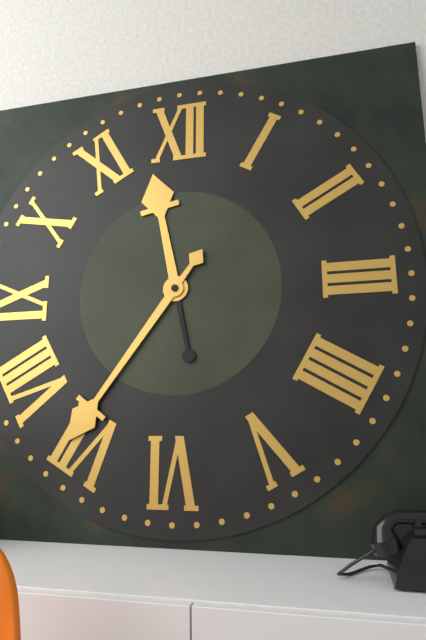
11:36
